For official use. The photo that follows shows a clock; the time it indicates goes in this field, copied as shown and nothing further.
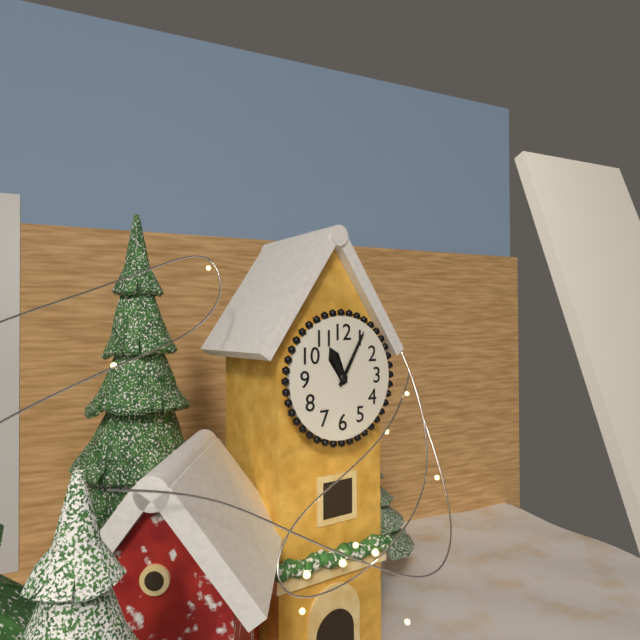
11:05
